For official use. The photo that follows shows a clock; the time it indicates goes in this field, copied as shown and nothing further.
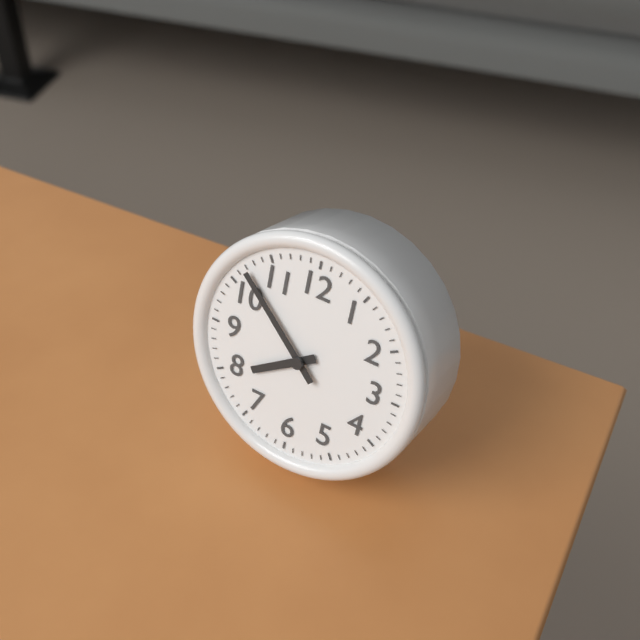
7:52
